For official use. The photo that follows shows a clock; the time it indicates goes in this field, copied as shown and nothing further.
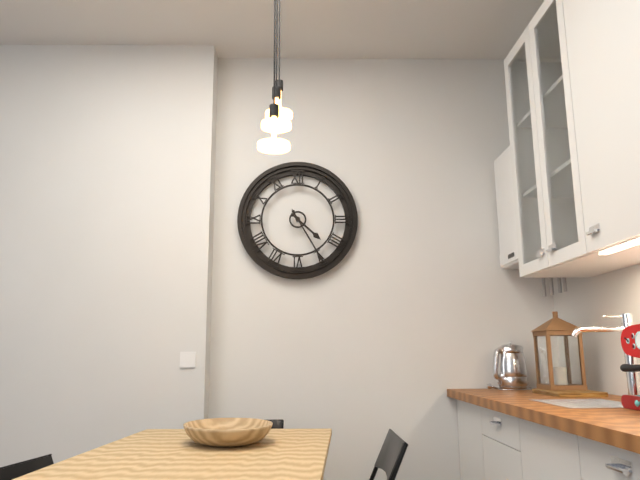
4:25
